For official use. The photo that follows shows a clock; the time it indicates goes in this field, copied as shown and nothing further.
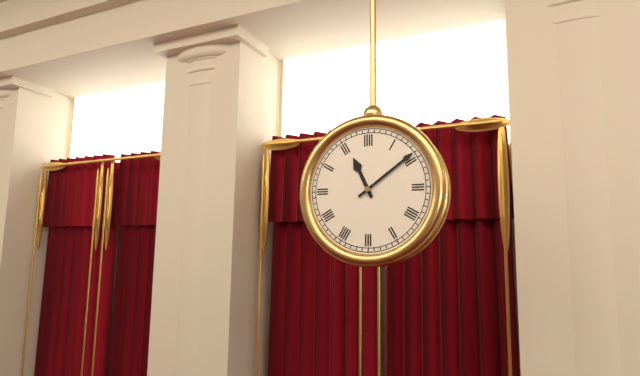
11:09
